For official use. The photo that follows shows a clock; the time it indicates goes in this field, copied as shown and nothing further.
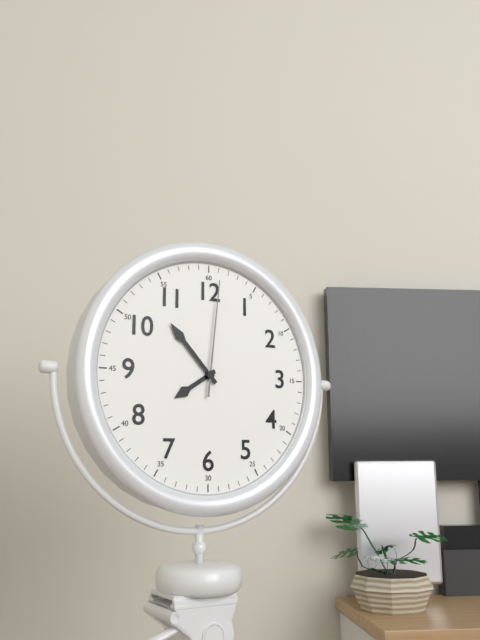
7:53:01
